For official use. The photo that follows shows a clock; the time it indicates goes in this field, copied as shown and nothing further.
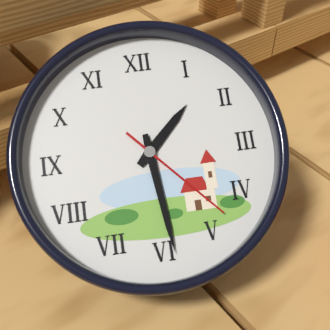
1:29:23
